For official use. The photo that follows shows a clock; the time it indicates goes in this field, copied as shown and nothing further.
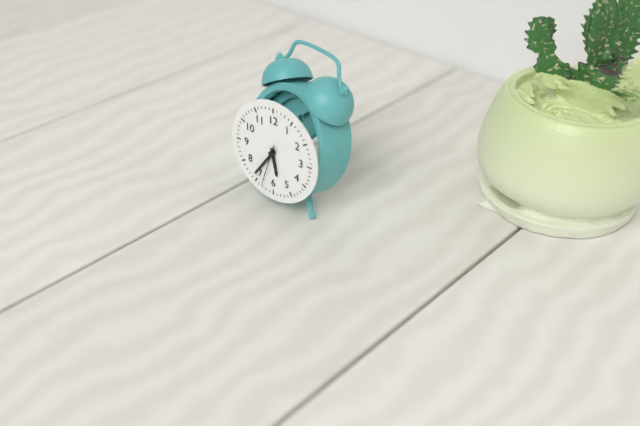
5:36
